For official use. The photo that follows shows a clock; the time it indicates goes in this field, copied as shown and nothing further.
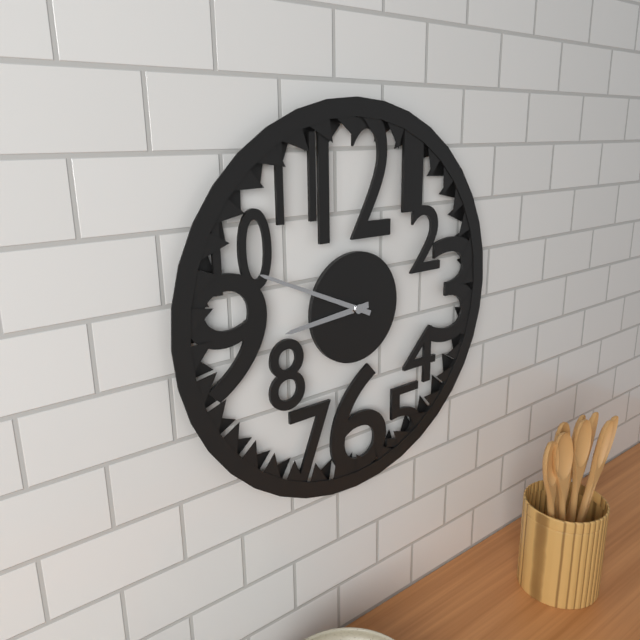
8:49
